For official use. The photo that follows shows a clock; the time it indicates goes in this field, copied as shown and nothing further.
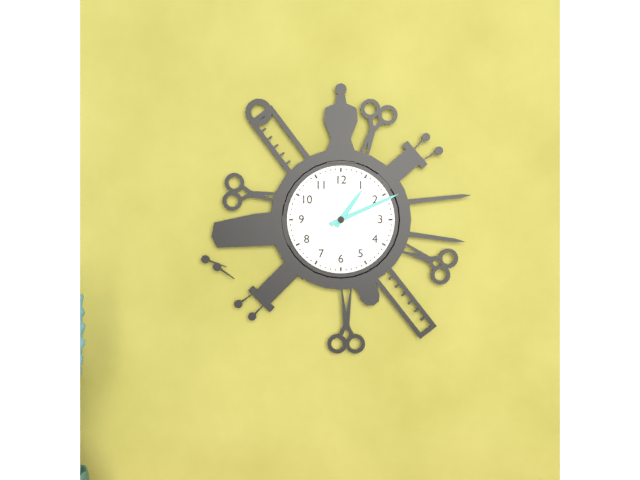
1:11
